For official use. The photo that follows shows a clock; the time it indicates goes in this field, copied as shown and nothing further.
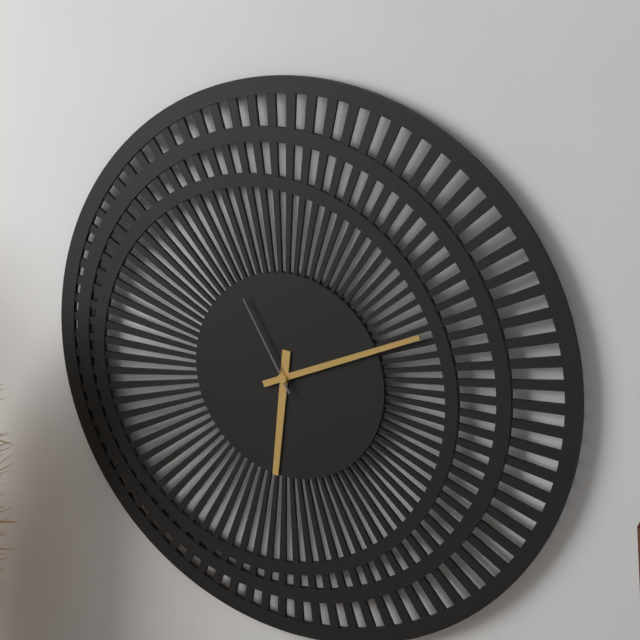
6:11:55
